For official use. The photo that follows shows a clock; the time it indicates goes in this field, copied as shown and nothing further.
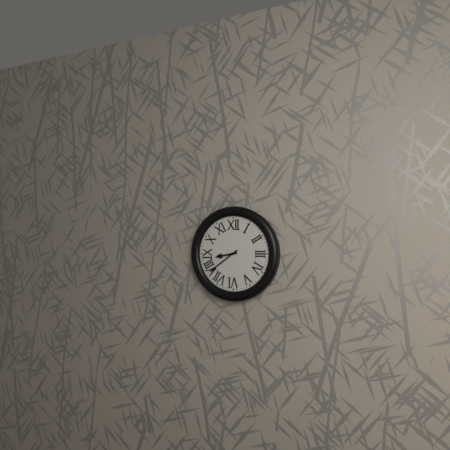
8:39
